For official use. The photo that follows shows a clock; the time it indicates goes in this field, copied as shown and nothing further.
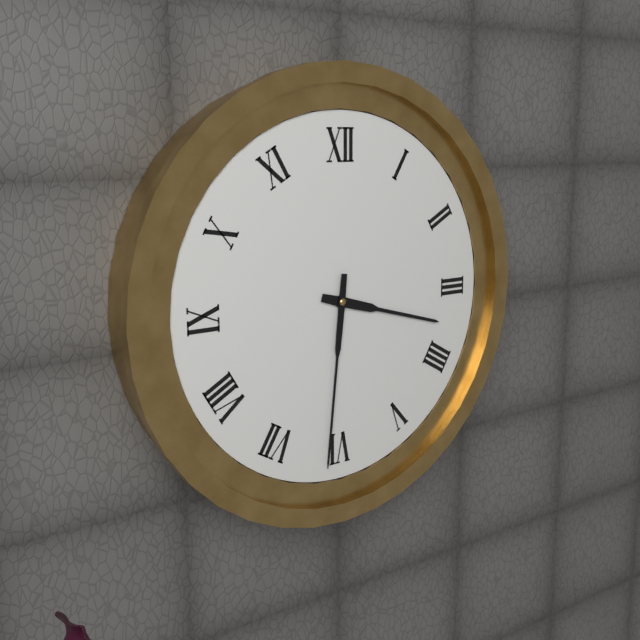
3:31
